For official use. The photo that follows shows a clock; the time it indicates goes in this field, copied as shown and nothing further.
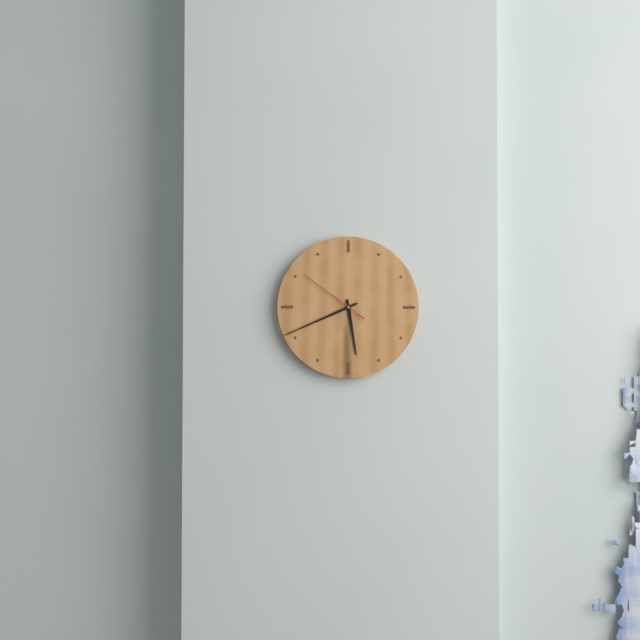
5:41:51
